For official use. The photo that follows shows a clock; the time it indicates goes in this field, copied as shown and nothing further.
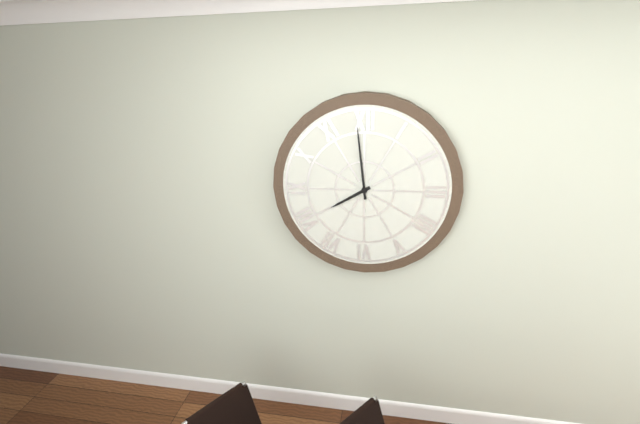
7:59
